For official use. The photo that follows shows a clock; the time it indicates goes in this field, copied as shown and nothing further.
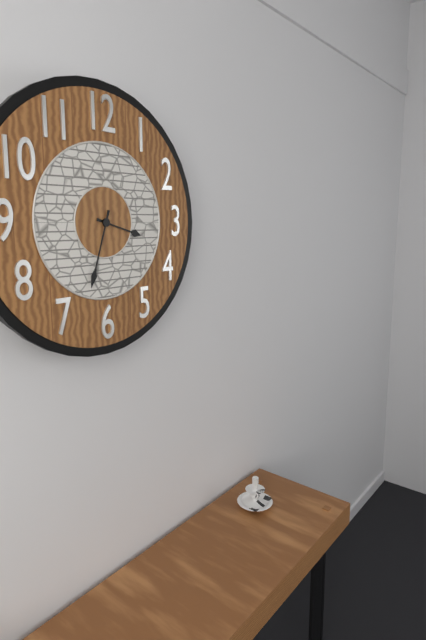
3:33
